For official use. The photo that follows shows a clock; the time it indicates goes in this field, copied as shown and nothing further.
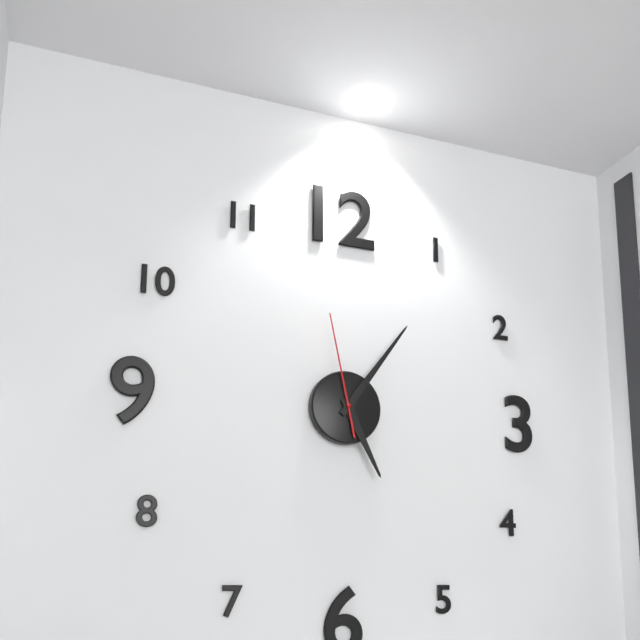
5:06:58
